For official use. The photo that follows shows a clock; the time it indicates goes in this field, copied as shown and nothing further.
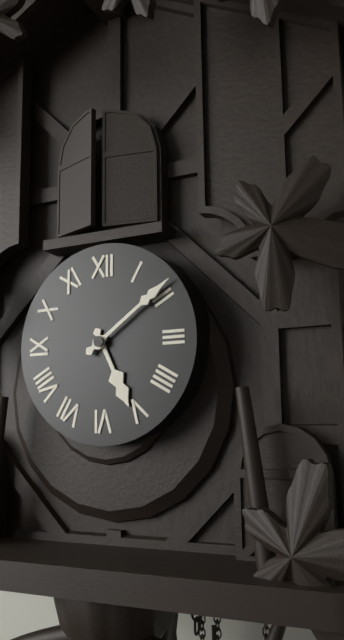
5:09
